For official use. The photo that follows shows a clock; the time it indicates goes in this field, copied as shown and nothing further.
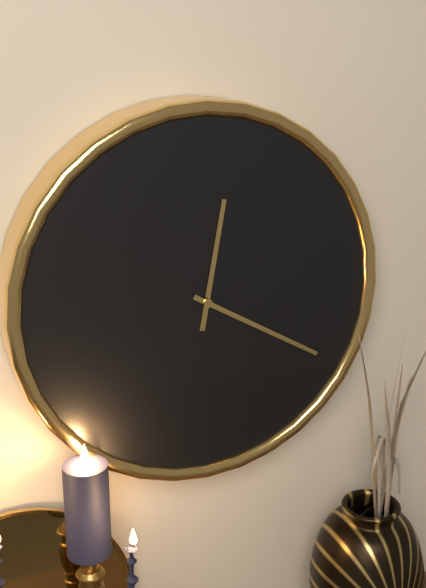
12:20
